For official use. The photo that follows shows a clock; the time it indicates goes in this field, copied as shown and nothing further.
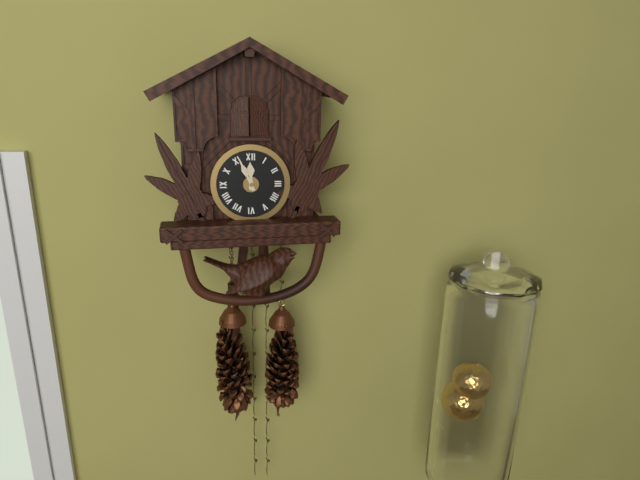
11:56
